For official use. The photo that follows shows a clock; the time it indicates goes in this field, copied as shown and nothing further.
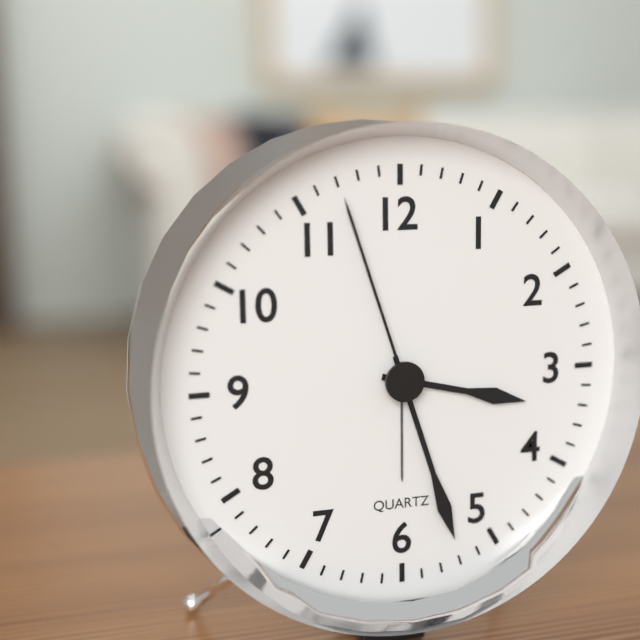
3:27:57
